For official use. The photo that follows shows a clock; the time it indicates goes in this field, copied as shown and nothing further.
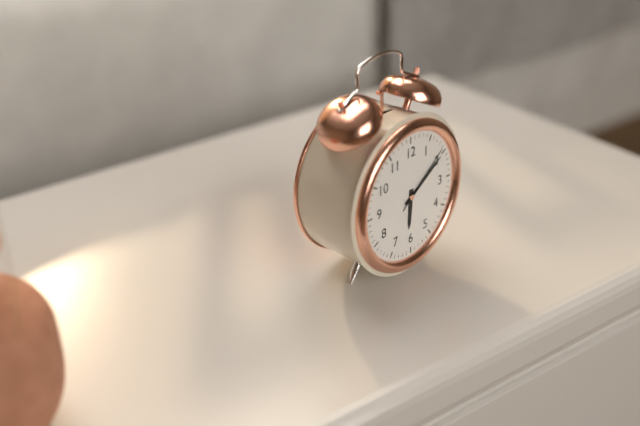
6:10:09
